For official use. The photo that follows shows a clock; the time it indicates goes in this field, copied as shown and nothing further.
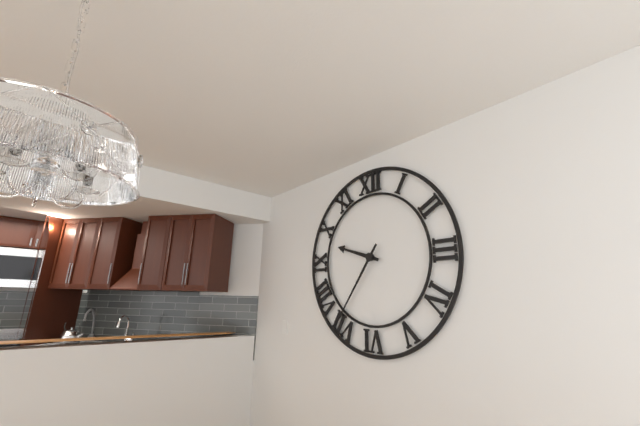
9:36
